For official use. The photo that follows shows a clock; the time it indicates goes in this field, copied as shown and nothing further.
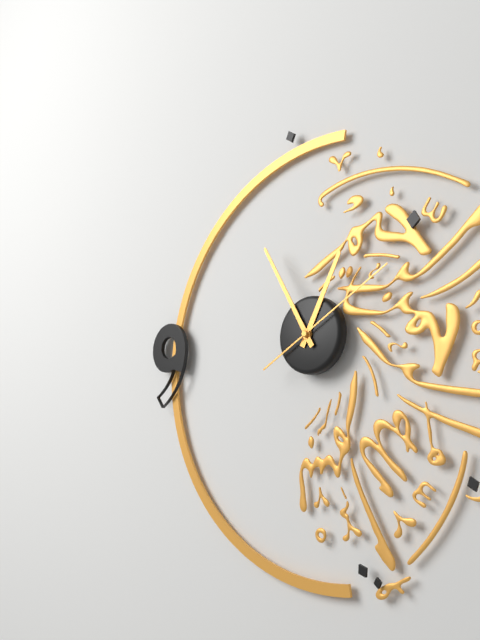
12:55:10
